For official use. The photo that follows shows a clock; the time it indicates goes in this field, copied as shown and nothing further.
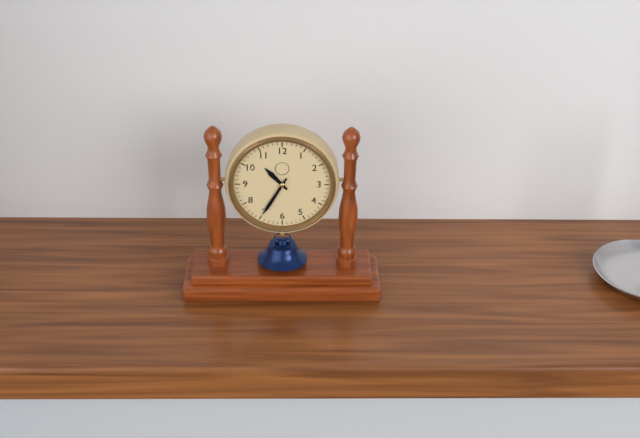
10:35
